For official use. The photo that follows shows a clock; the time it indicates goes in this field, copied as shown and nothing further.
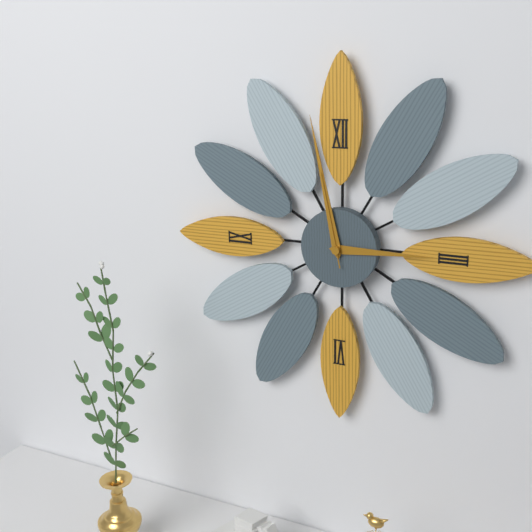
2:58:58
